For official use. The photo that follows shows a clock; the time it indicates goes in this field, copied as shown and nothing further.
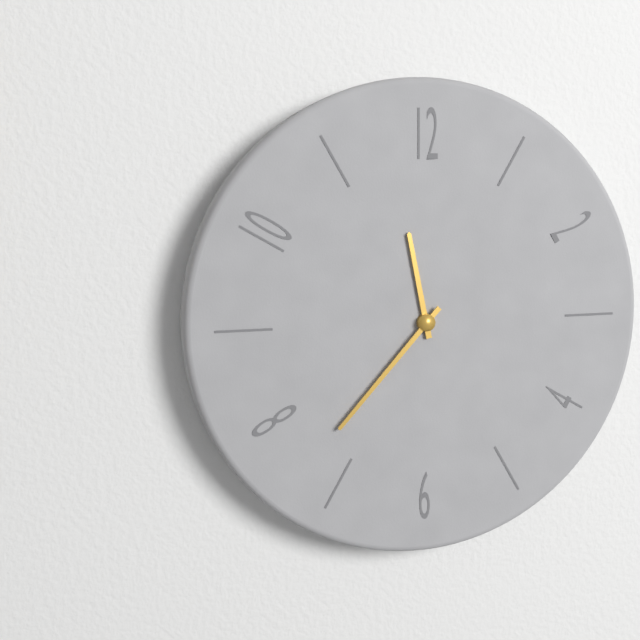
11:37
